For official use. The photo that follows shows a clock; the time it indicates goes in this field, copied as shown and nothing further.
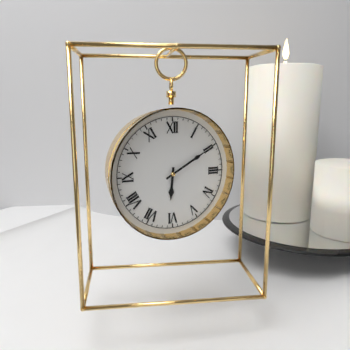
6:10
